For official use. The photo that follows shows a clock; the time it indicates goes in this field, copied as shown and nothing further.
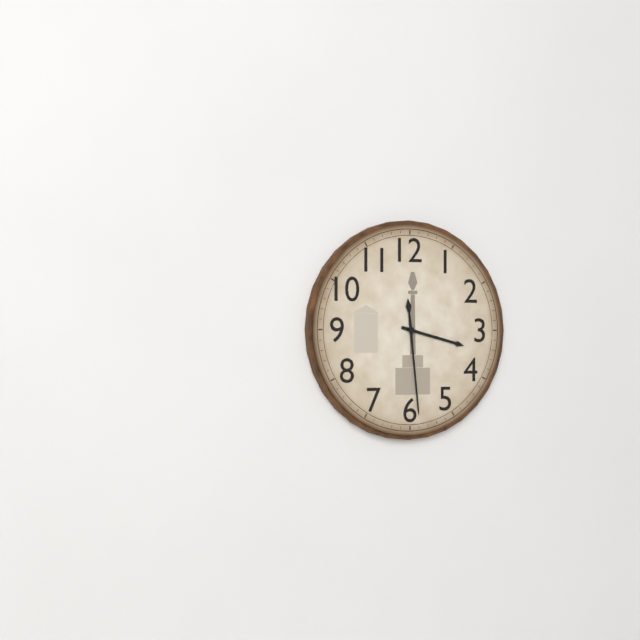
3:29
